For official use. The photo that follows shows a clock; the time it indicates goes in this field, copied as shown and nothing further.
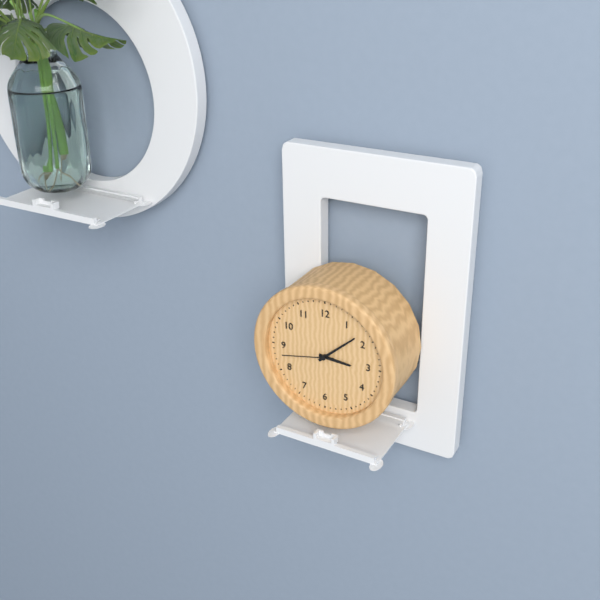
3:08:43
